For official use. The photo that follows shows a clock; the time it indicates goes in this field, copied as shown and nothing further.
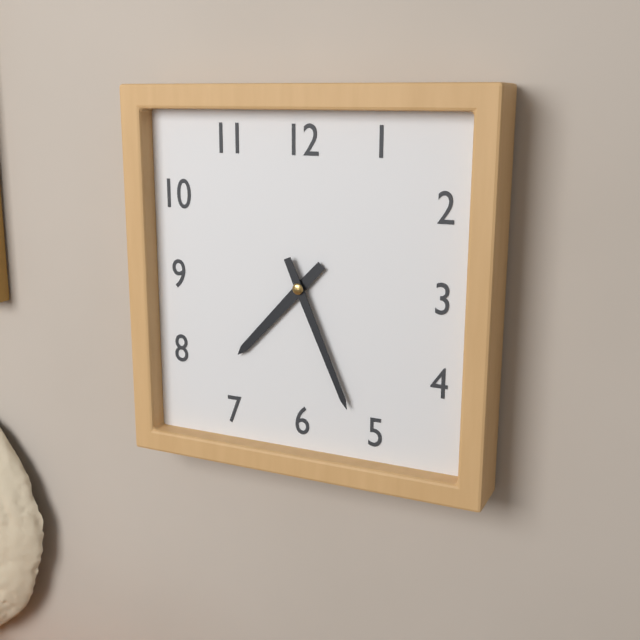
7:26
